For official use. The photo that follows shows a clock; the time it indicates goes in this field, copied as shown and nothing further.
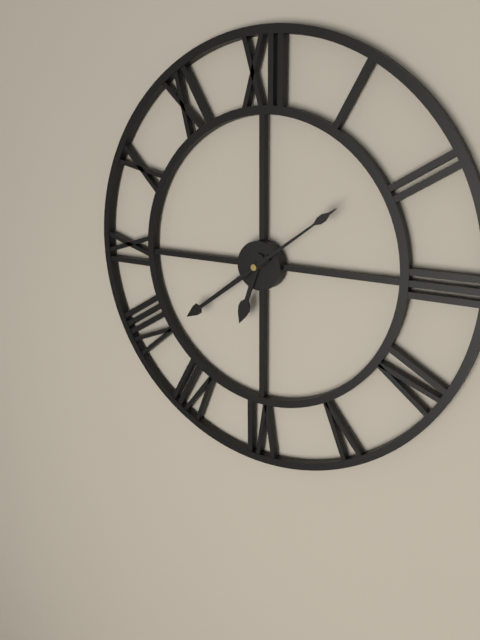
6:39:09
